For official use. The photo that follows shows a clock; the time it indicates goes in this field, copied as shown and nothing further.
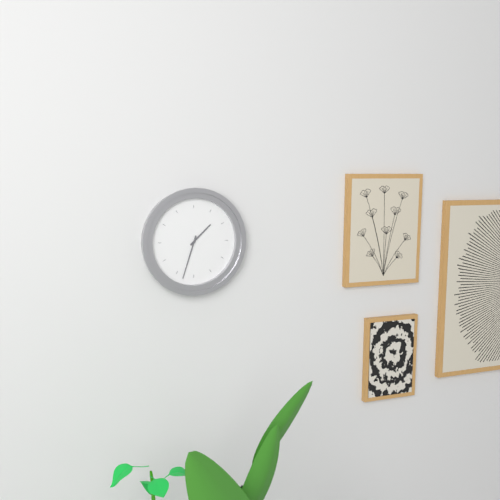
1:33
